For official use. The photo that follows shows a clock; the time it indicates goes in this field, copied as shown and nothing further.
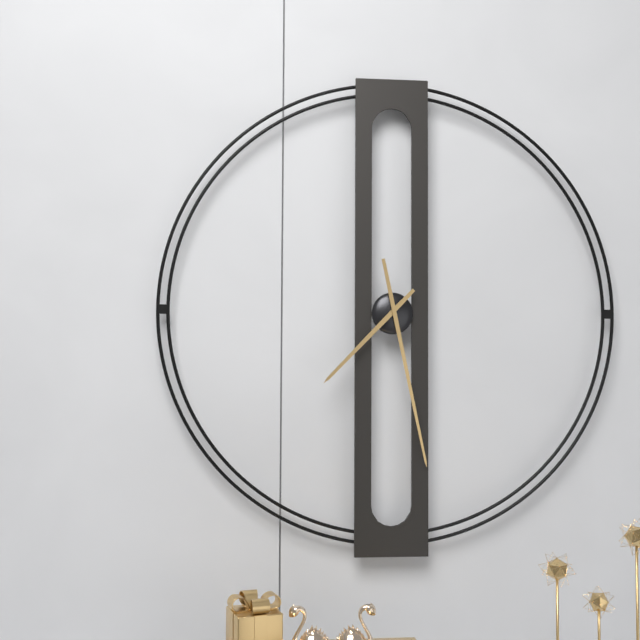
7:28
